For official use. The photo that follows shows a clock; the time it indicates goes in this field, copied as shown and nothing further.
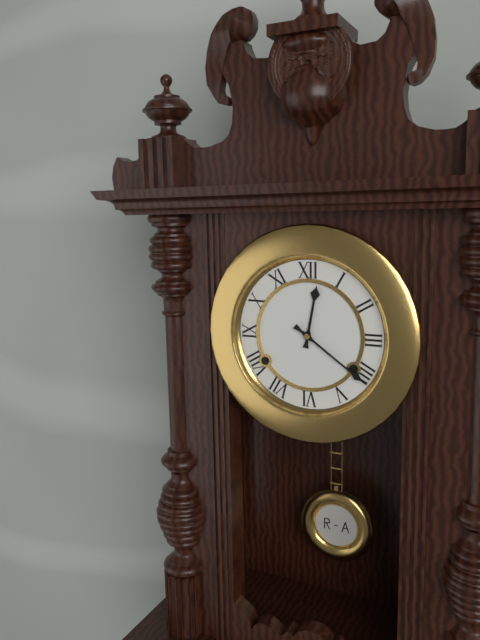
12:21
